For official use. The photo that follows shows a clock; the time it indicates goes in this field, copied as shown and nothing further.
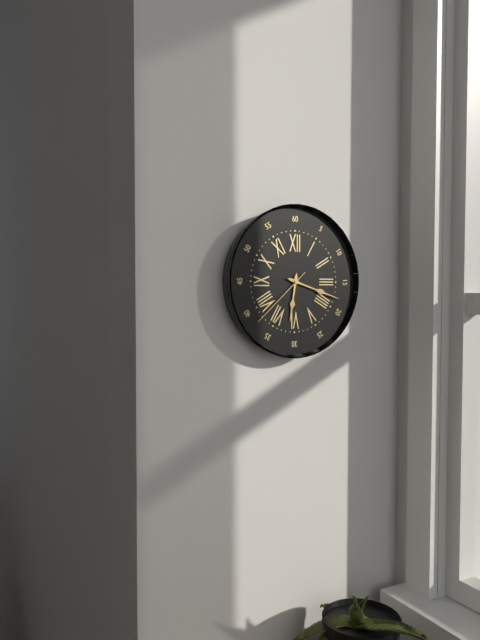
6:18:38
